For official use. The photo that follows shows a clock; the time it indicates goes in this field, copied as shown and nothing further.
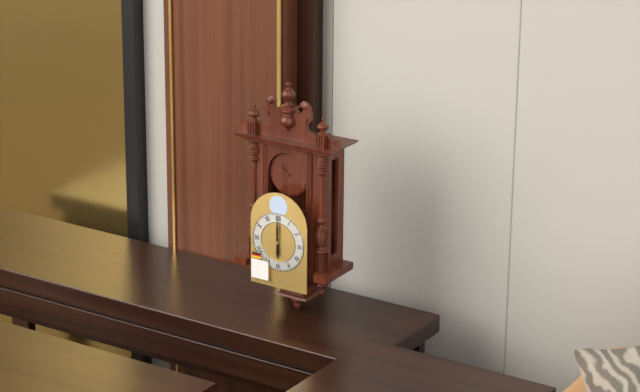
6:00
